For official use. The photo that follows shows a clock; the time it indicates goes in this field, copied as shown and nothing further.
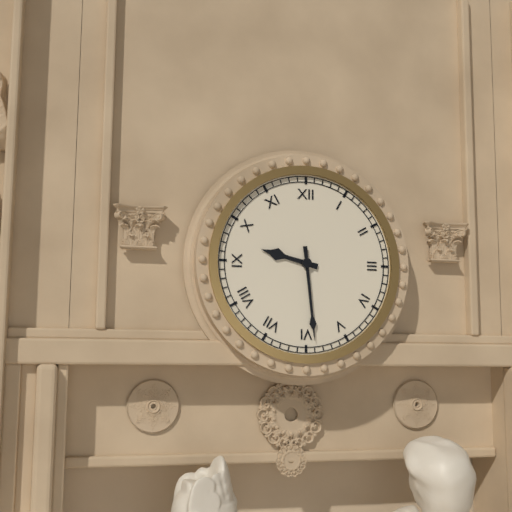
9:29
